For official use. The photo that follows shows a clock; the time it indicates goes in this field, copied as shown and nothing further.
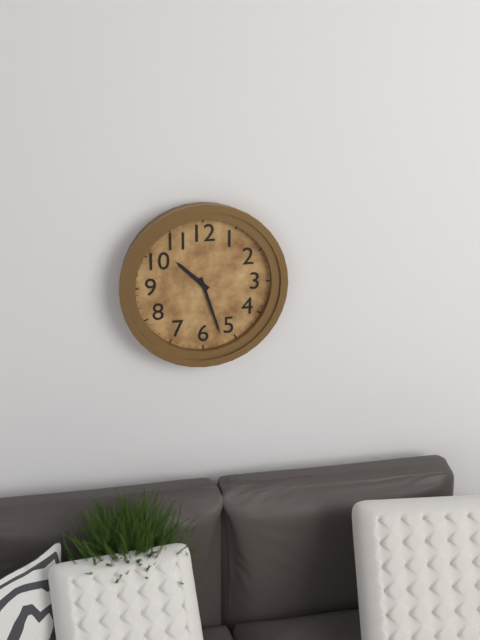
10:27
